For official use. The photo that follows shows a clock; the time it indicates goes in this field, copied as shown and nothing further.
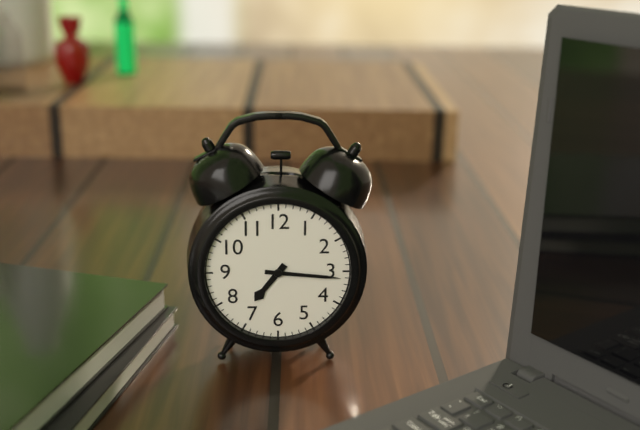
7:16
